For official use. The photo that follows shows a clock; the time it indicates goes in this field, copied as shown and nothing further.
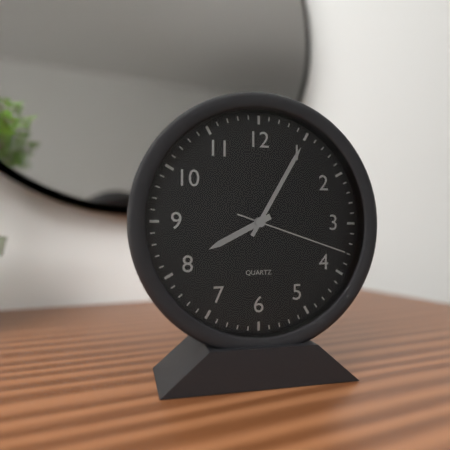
8:05:18
